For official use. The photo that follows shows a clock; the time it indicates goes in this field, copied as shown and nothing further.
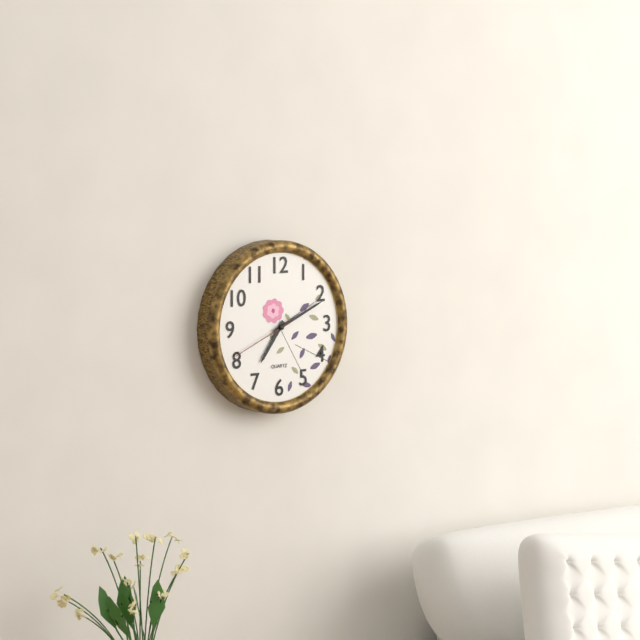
7:11:41
